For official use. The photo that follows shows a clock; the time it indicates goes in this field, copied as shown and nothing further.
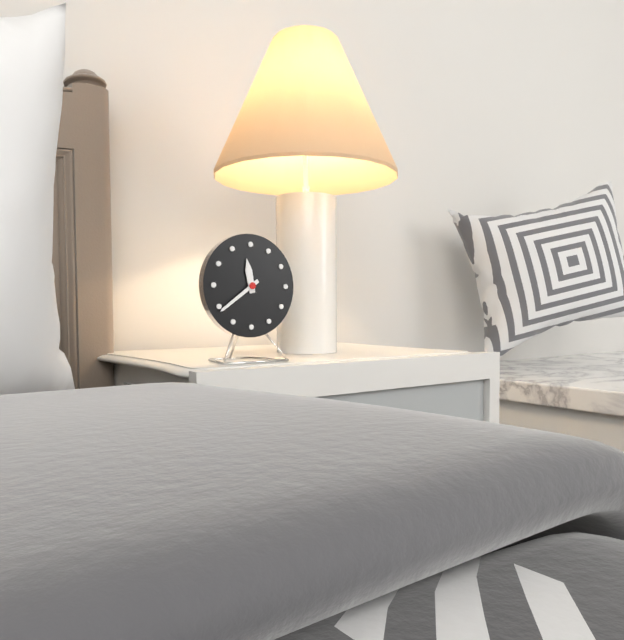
11:39
